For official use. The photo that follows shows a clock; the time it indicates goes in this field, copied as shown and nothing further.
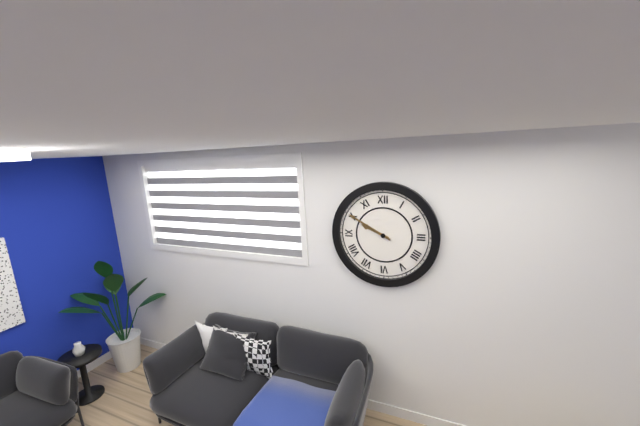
9:50
